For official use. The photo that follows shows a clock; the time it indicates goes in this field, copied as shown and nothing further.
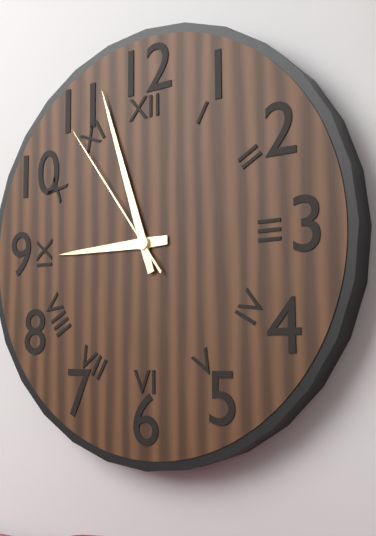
8:57:54
